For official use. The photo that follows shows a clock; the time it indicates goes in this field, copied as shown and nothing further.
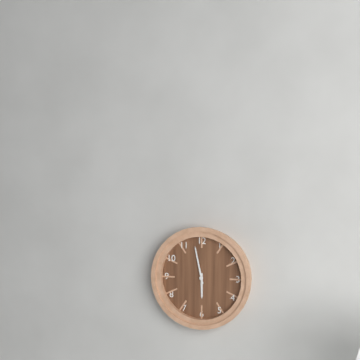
5:58
